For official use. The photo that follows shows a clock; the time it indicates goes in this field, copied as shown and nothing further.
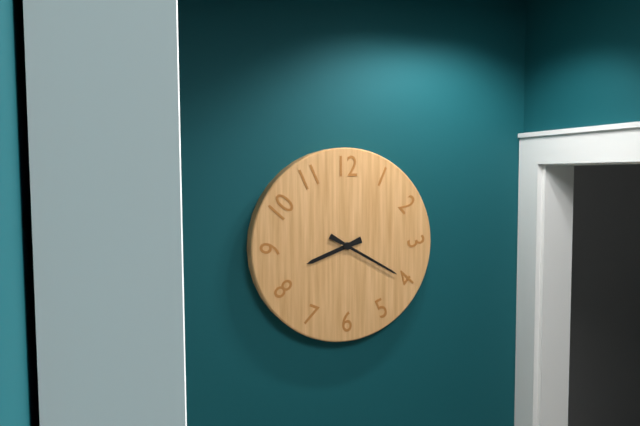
8:20
